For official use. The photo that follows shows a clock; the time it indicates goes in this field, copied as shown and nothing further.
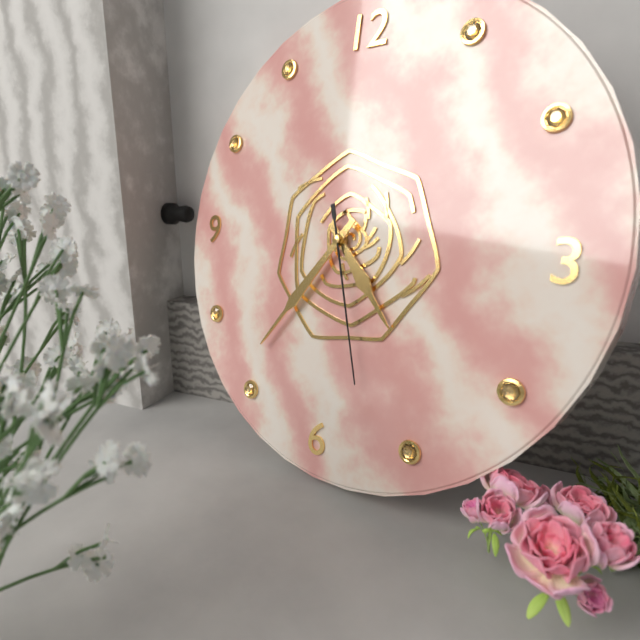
4:36:27
